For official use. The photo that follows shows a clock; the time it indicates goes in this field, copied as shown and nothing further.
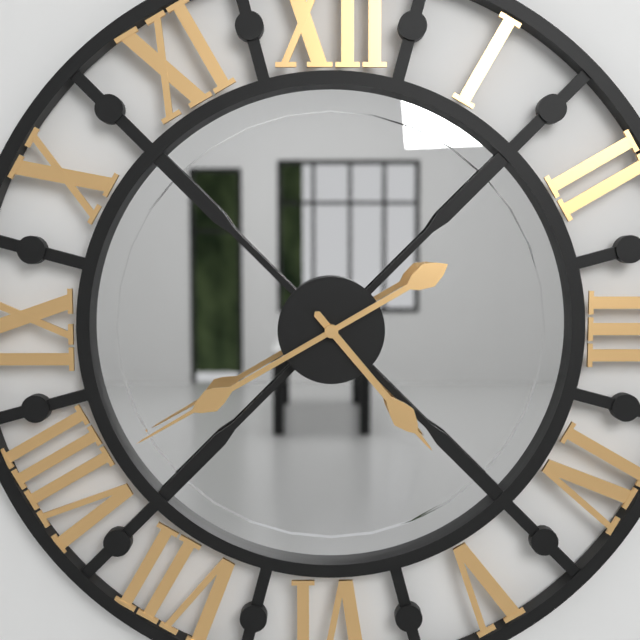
4:40
